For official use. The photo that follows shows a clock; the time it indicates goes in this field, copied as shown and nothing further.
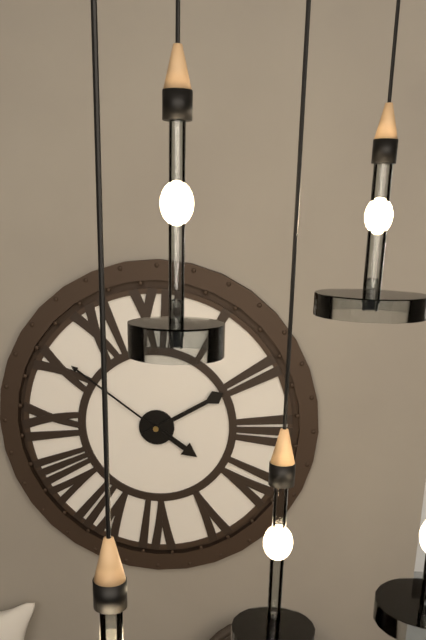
4:10:51
